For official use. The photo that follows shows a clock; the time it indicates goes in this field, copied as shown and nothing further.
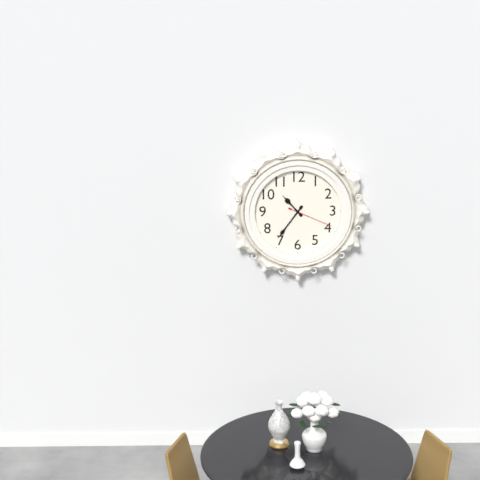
10:36
